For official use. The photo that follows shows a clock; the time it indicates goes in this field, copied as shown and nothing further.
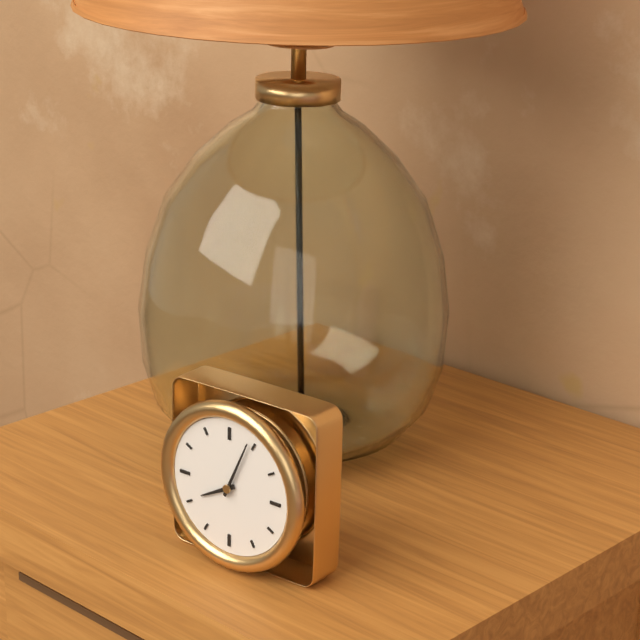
8:04
